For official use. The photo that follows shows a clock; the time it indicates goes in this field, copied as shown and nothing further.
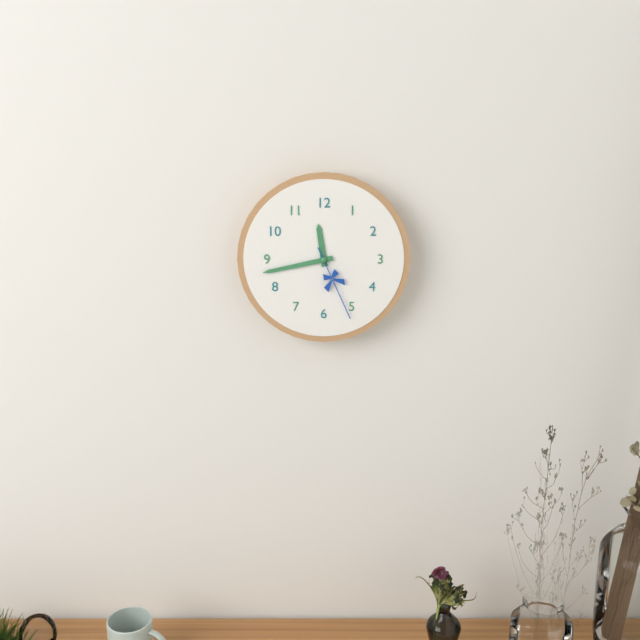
11:43:26
